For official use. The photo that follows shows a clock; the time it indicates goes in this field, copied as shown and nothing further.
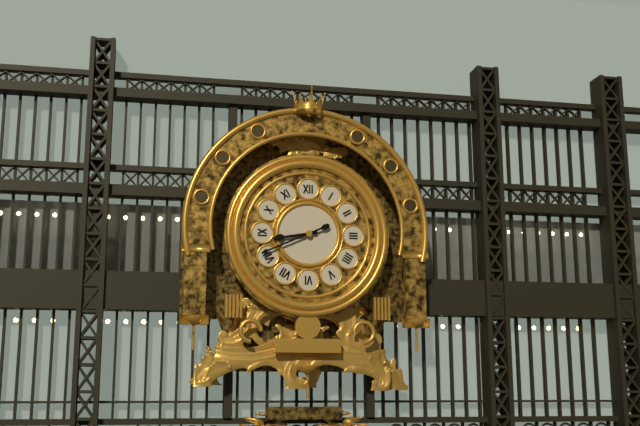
8:41
